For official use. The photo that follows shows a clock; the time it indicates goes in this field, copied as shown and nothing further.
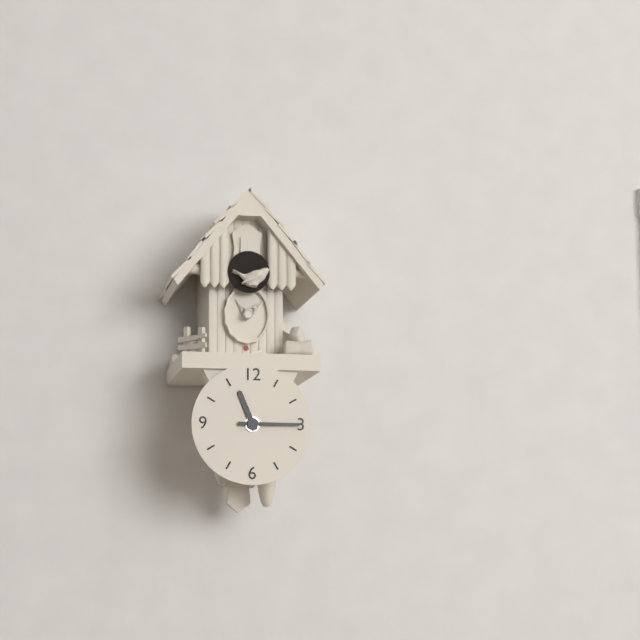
11:15
